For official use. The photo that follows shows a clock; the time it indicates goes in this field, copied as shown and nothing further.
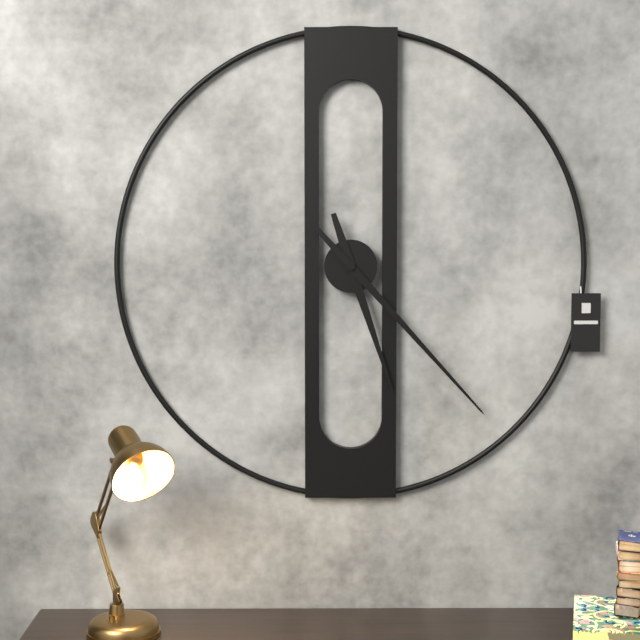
5:23
